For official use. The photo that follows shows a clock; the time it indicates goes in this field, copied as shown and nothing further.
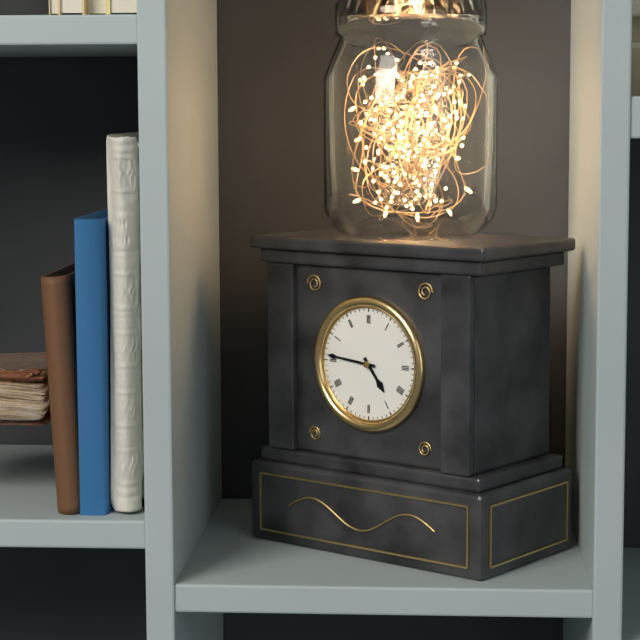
4:46
